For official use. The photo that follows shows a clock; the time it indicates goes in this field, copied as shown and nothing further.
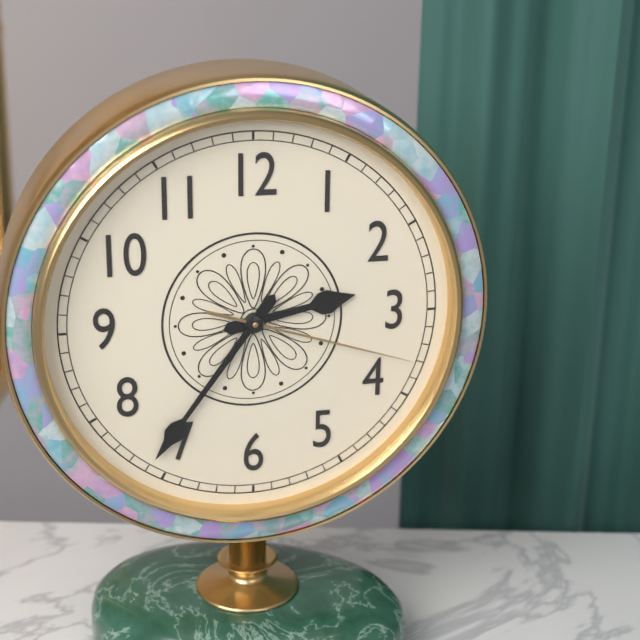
2:36:18
